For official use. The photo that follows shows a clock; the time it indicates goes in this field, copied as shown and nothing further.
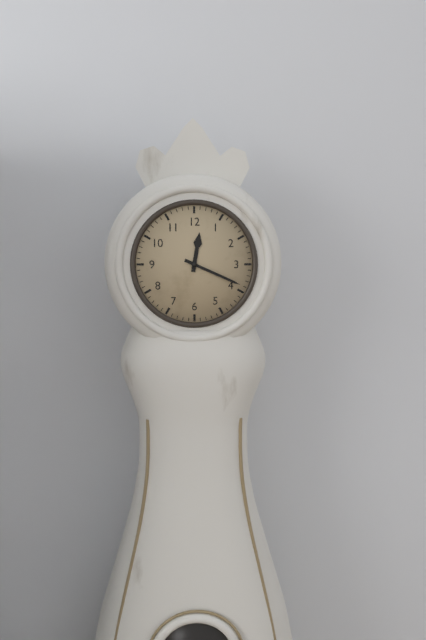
12:19
